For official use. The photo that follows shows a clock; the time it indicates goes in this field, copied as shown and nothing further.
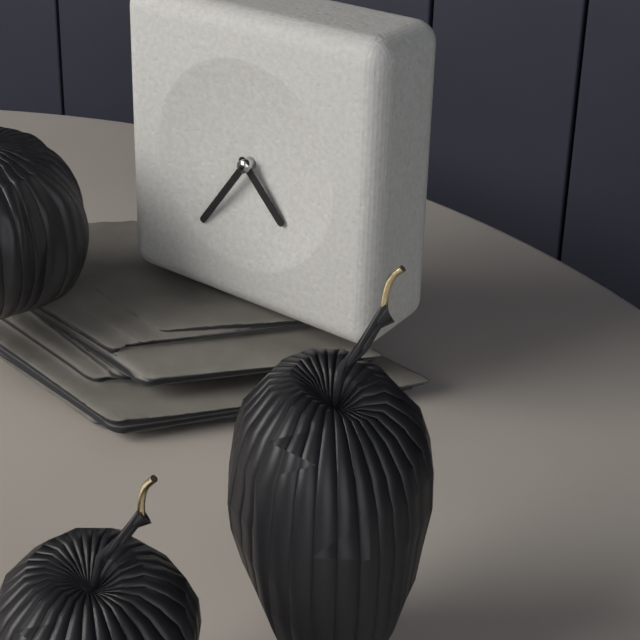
4:36
